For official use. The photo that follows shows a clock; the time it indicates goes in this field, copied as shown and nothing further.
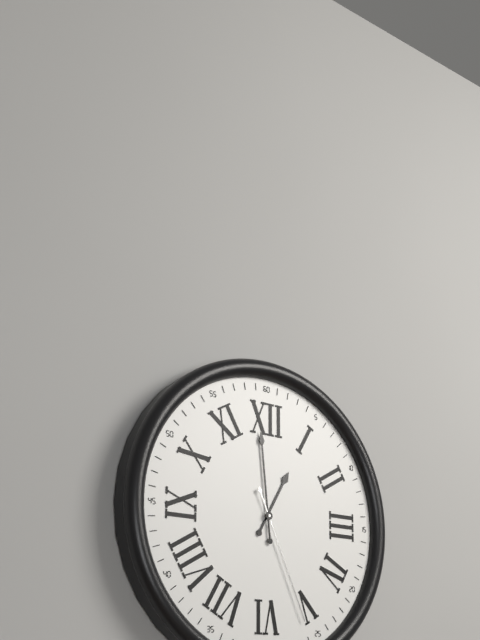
12:59:26
